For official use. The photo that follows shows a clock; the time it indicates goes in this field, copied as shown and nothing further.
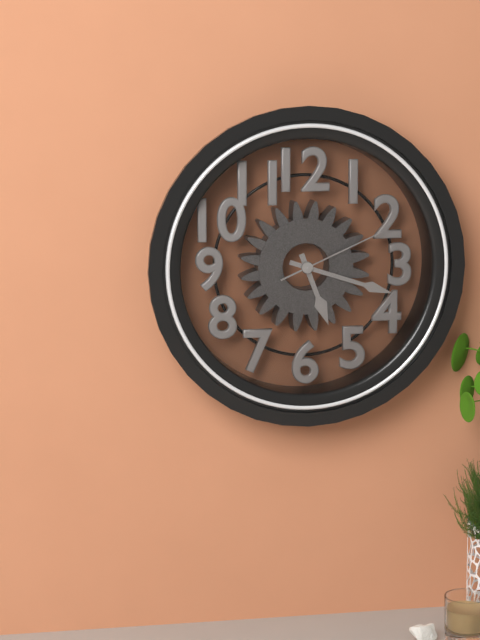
5:18:11
